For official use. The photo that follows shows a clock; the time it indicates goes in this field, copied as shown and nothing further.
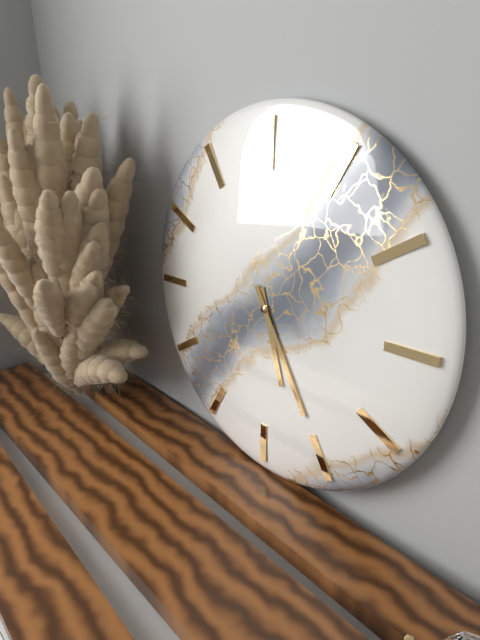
5:25
